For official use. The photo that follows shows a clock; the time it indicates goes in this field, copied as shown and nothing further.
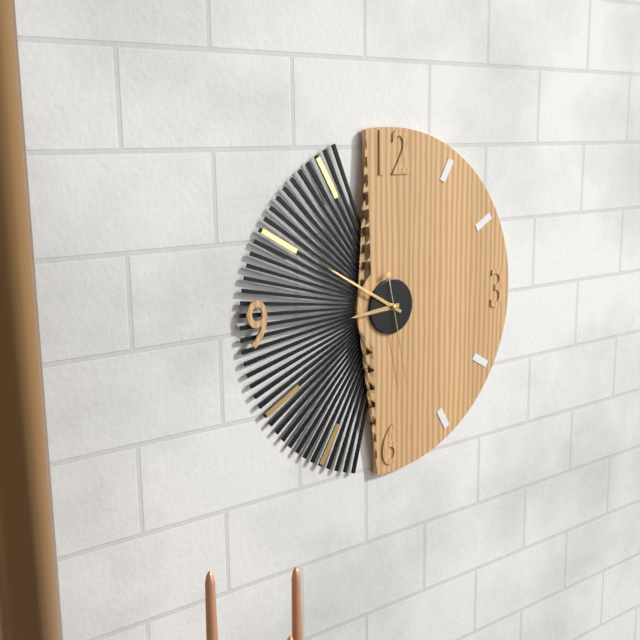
8:50:28
